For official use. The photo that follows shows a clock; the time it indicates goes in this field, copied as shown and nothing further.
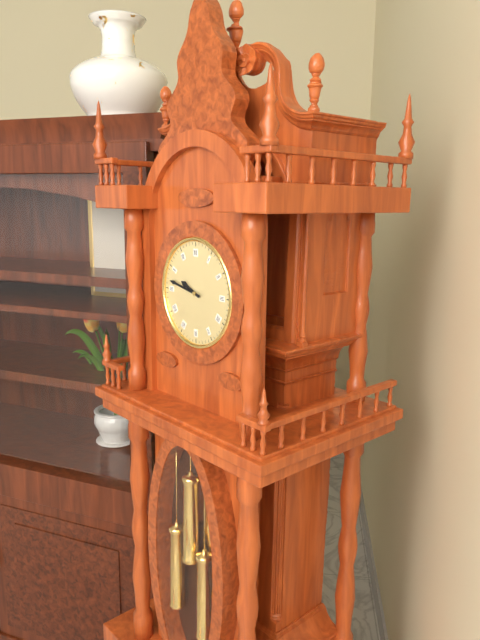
9:47
